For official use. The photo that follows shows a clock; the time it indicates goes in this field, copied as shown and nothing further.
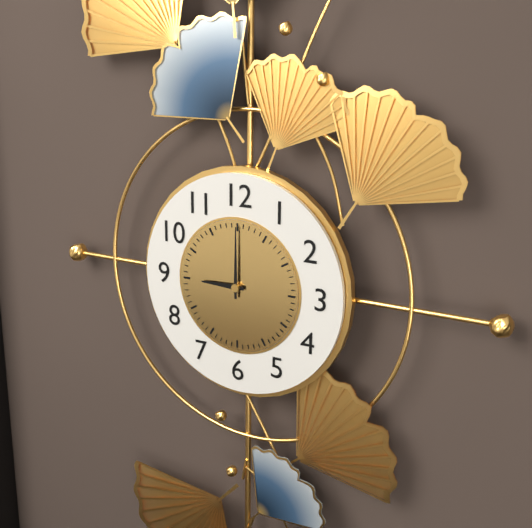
9:00
